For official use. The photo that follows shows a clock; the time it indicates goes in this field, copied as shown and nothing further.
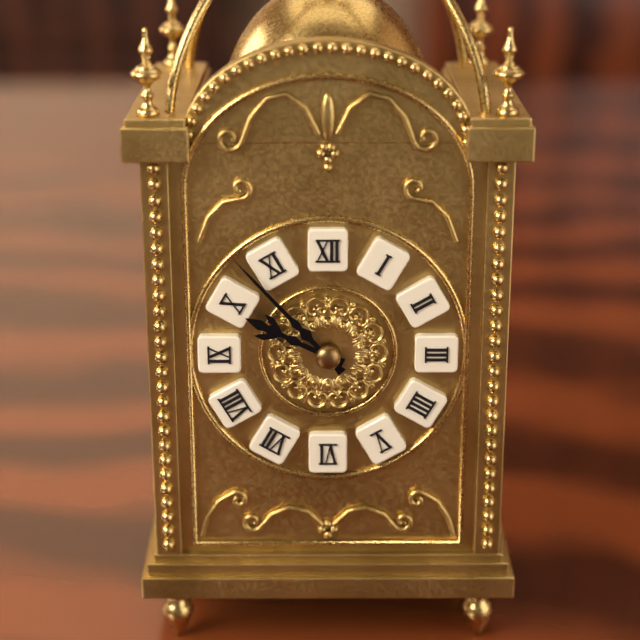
9:53
